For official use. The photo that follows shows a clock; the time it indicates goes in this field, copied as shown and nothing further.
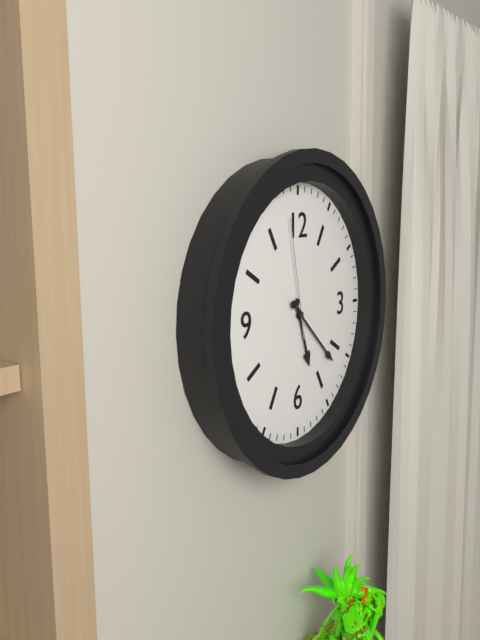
5:22:58
